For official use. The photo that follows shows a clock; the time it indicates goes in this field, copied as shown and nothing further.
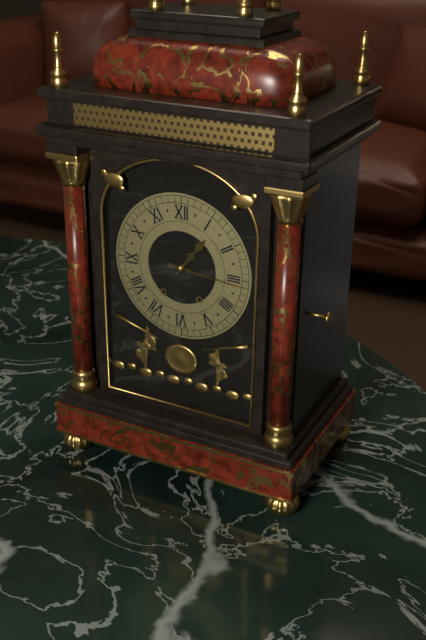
1:16
